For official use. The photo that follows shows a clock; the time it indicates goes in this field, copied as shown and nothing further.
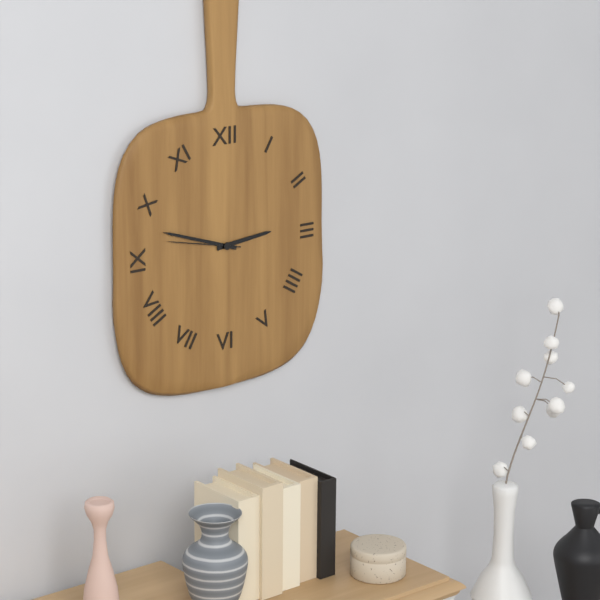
2:48:47
